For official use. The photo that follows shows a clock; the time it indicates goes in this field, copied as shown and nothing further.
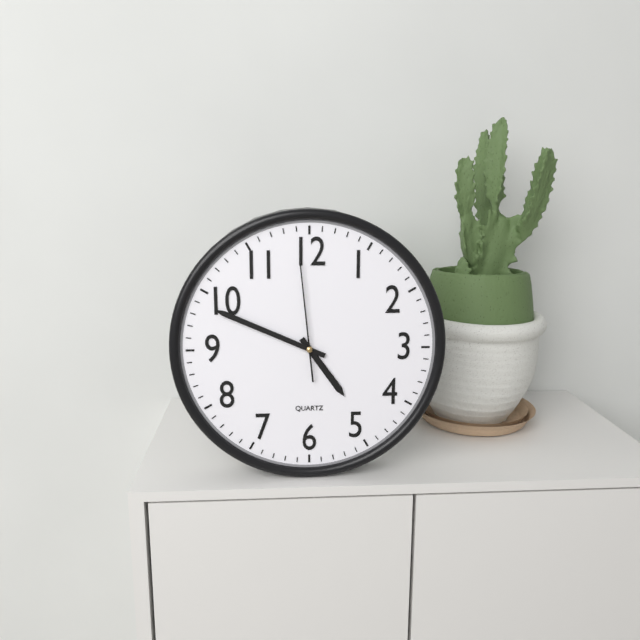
4:49:59
